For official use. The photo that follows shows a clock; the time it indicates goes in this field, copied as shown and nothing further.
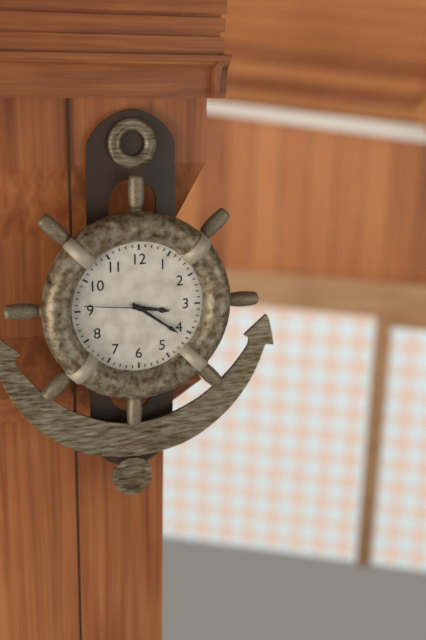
3:21:46
